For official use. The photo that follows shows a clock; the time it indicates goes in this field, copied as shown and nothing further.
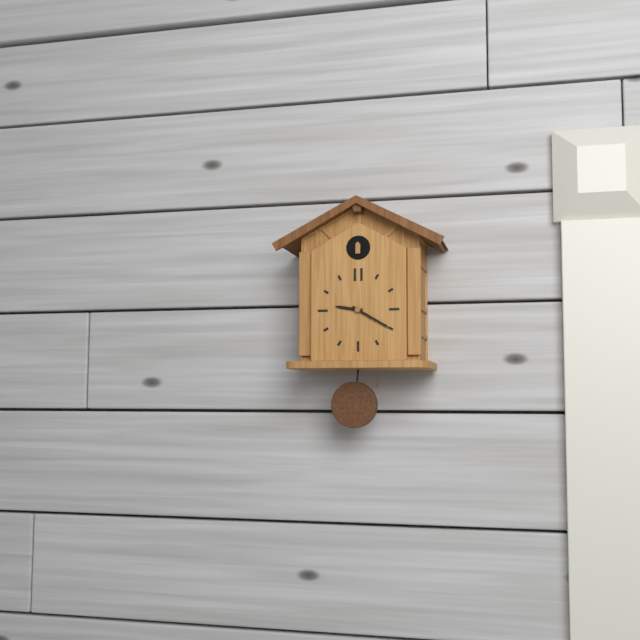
9:20
